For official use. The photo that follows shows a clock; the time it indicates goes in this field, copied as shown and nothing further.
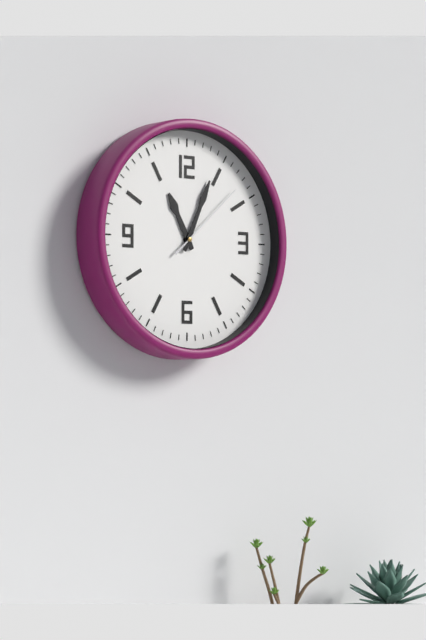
11:04:08
